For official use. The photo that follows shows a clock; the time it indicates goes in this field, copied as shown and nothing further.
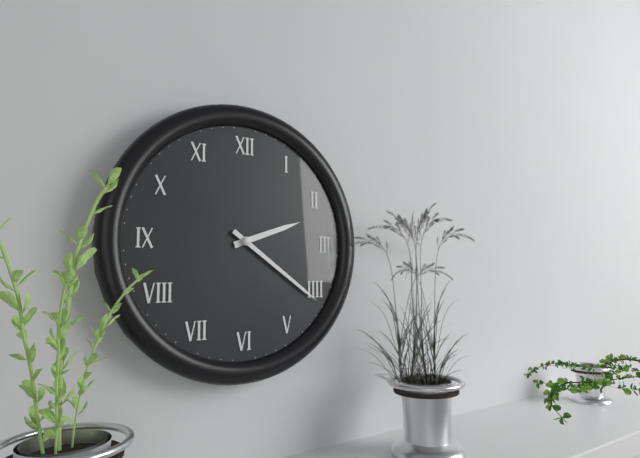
2:21
